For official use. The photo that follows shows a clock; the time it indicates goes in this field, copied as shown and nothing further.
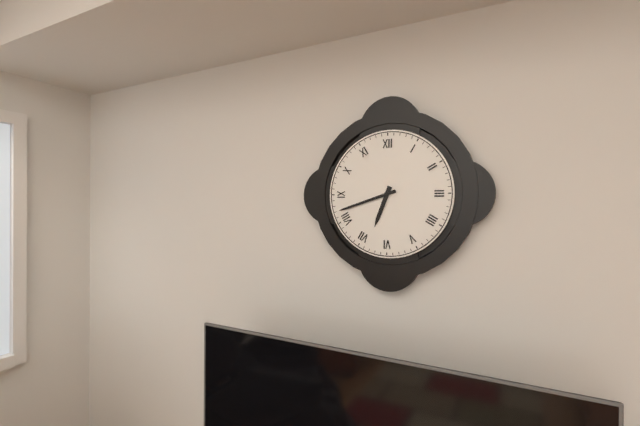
6:42
